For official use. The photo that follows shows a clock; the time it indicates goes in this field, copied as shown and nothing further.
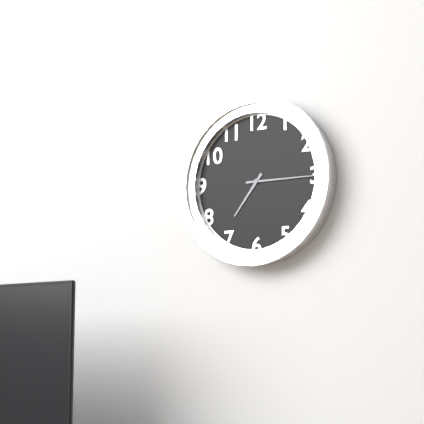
7:15
